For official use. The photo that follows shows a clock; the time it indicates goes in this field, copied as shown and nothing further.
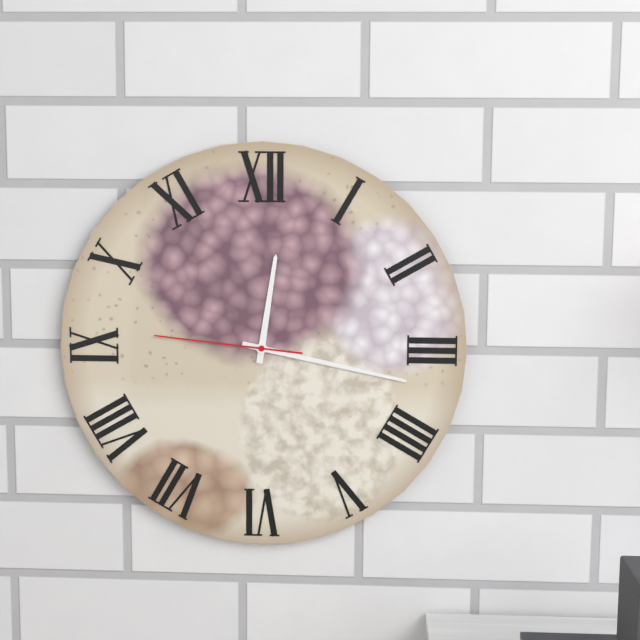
12:17:46
